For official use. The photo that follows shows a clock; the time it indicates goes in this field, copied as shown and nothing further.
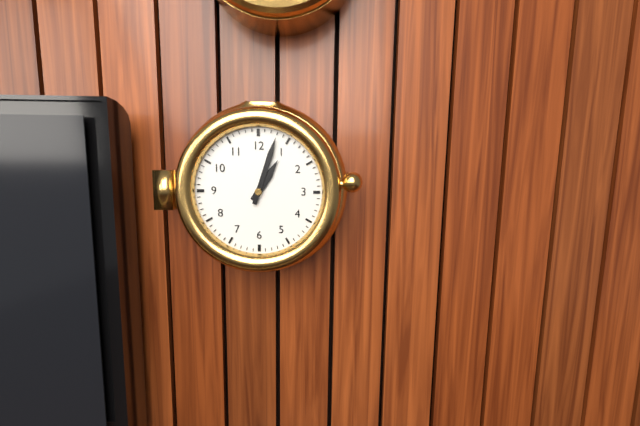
1:03
